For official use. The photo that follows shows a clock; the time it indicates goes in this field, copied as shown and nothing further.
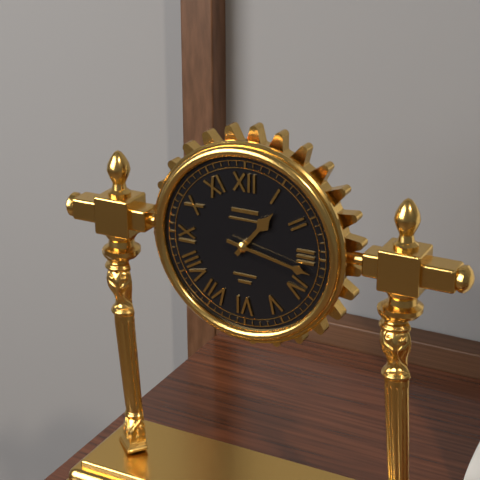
1:17
